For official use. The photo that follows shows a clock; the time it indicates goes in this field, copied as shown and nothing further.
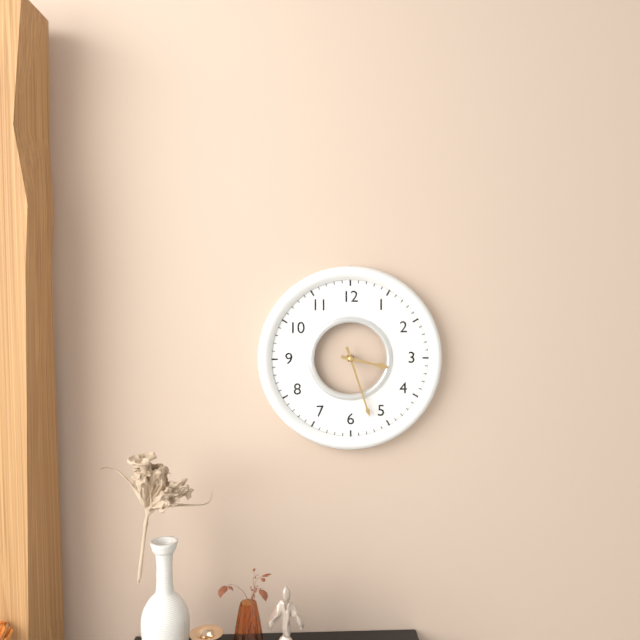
3:27
